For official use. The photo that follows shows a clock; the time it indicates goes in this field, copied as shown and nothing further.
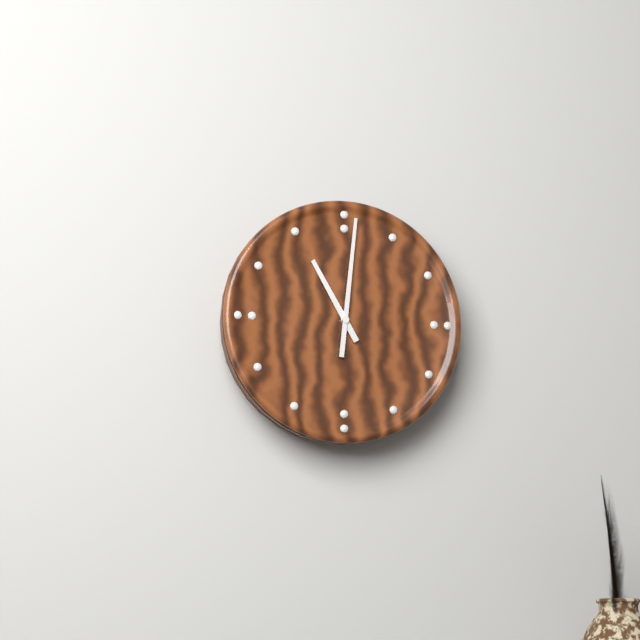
11:01
